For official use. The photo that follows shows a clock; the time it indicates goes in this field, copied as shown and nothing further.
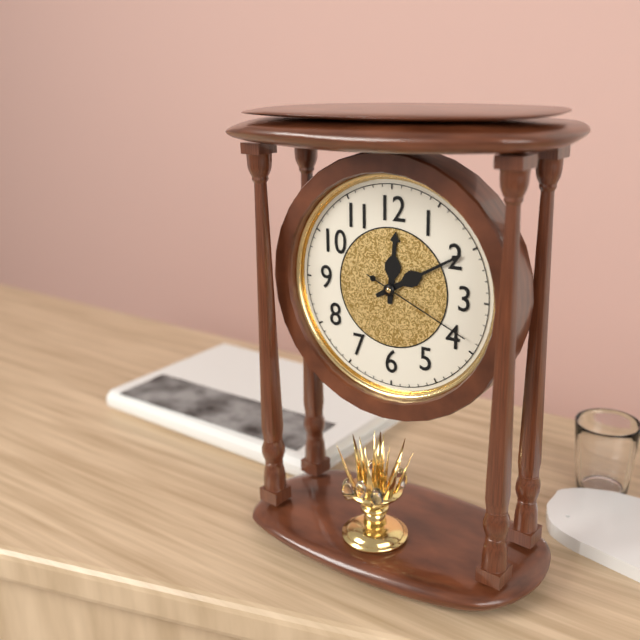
12:10:19
